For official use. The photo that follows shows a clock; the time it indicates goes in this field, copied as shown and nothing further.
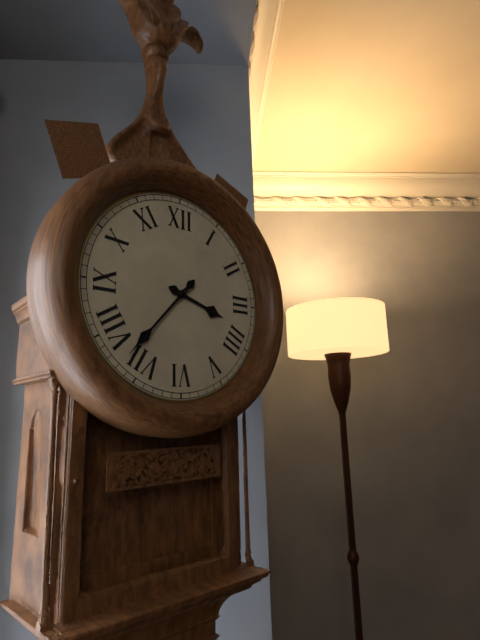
3:37
